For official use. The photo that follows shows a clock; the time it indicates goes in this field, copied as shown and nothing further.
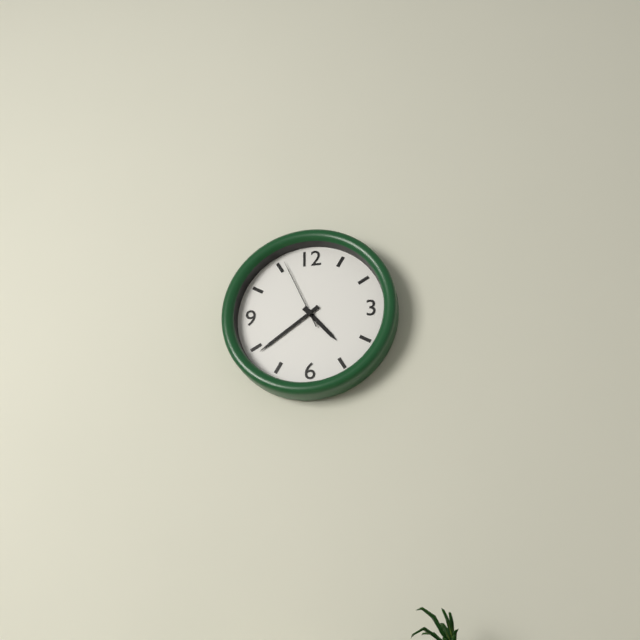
4:39:56
